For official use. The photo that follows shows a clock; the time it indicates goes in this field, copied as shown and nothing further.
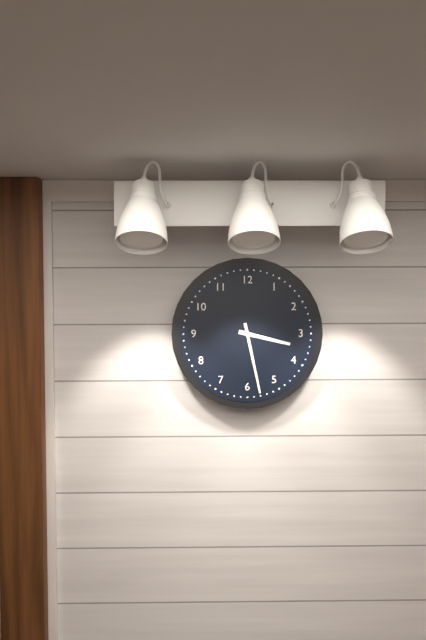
3:28
